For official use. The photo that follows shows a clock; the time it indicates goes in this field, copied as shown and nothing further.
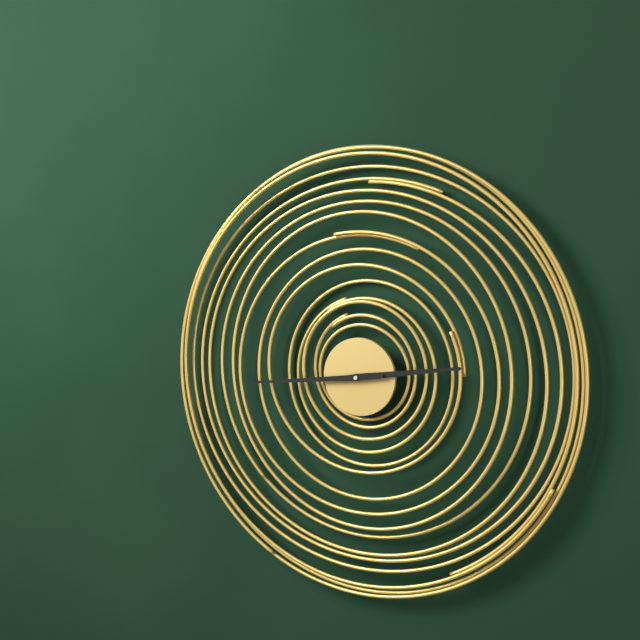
2:44
